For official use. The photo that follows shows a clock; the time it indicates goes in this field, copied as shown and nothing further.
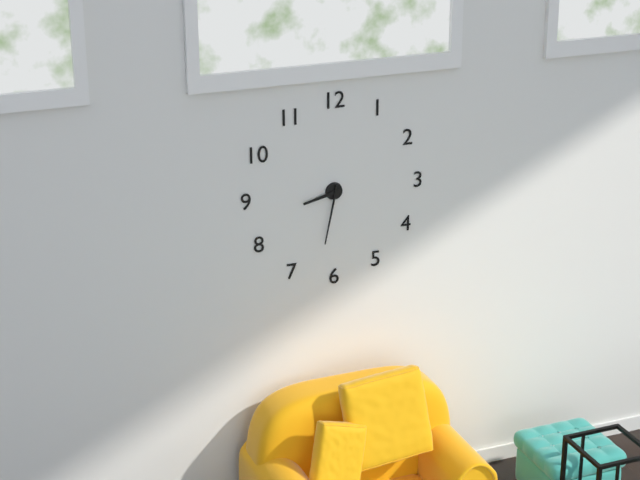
8:32
